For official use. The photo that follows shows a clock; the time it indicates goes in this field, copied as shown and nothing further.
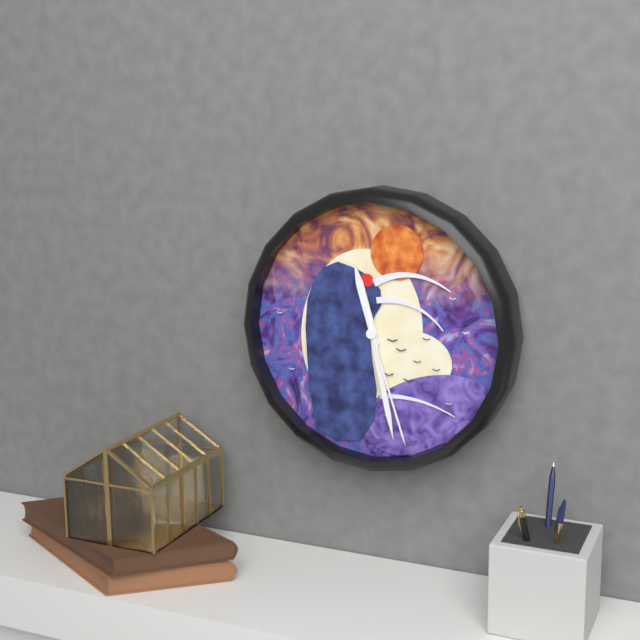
11:28:27
